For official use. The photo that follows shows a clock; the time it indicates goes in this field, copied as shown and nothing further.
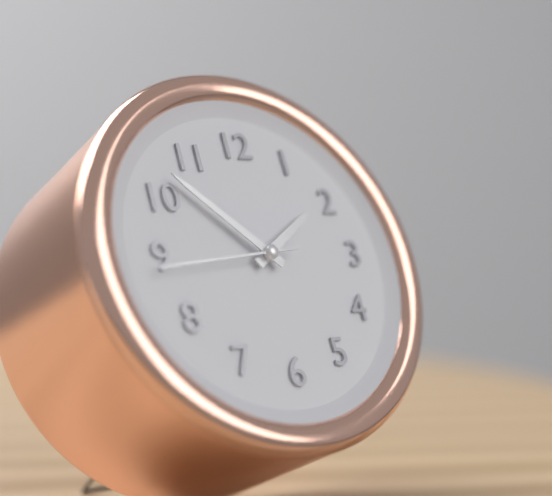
1:52:44
